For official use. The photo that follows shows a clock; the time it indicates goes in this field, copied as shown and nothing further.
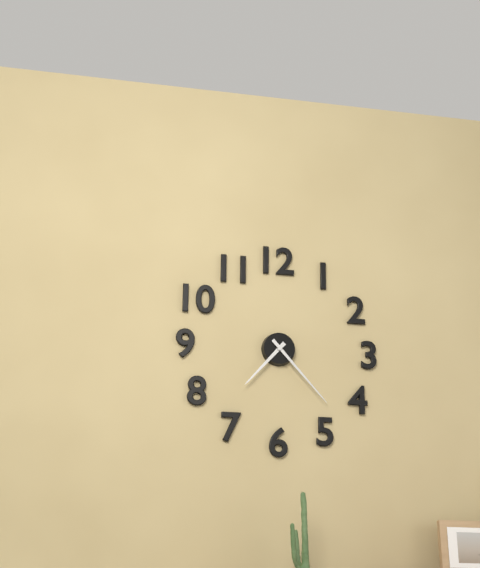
7:23
